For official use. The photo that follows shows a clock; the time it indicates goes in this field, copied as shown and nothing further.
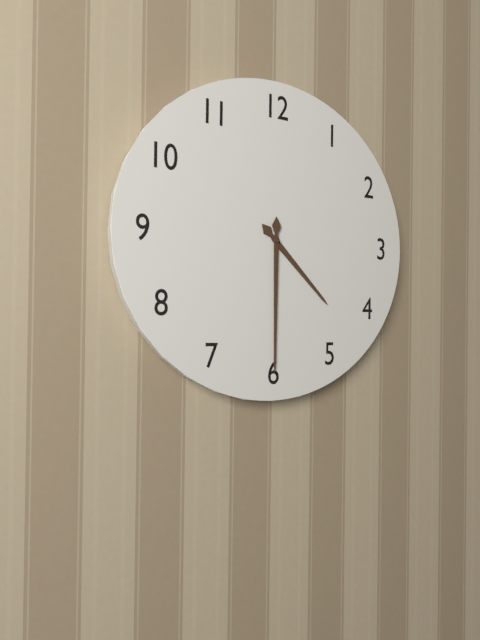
4:30
